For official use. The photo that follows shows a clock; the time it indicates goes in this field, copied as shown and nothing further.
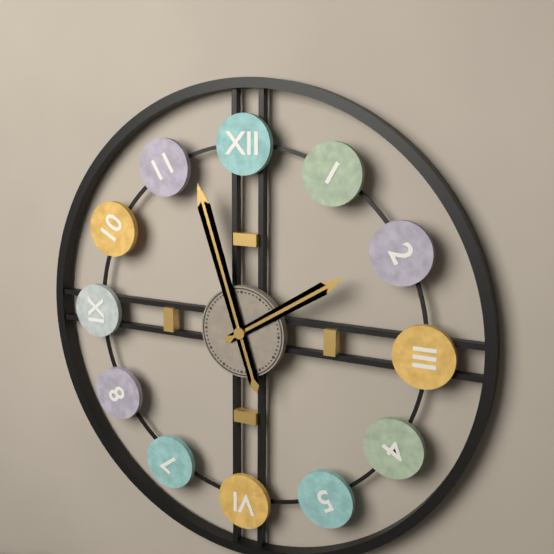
1:57
